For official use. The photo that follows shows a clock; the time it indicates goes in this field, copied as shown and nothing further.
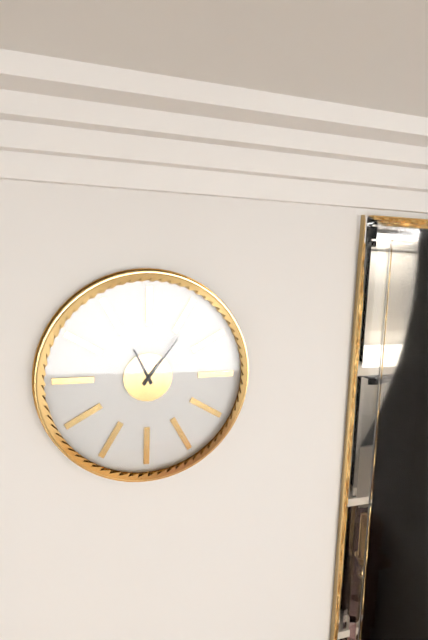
11:06
